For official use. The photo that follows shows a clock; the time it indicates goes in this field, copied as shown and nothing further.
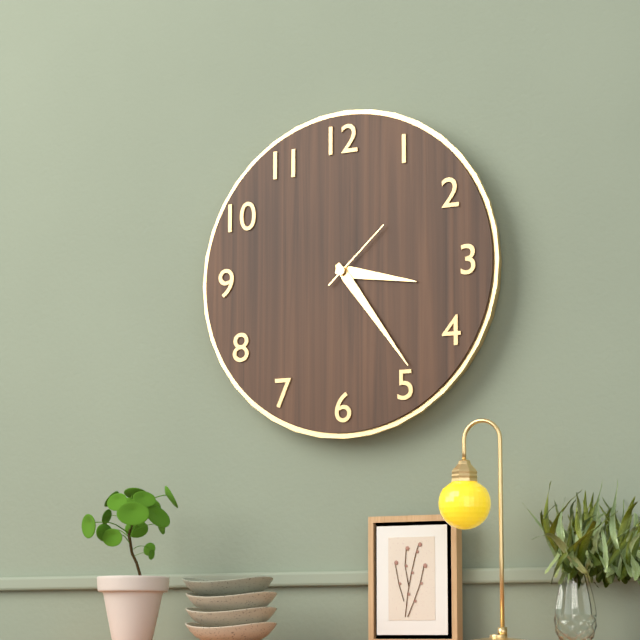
3:24:08
